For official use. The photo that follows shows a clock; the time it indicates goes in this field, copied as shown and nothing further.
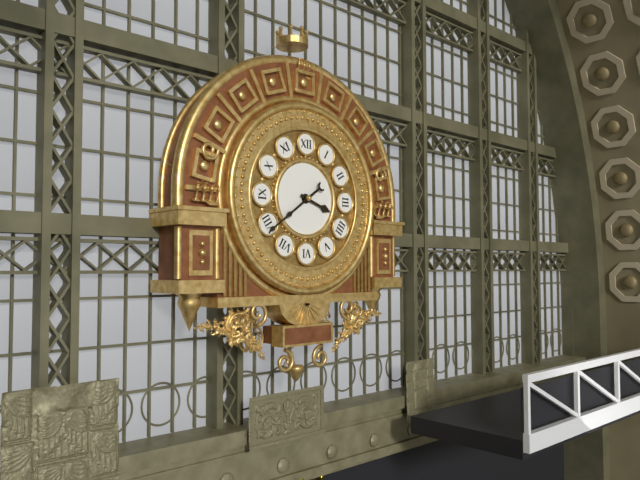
3:39
